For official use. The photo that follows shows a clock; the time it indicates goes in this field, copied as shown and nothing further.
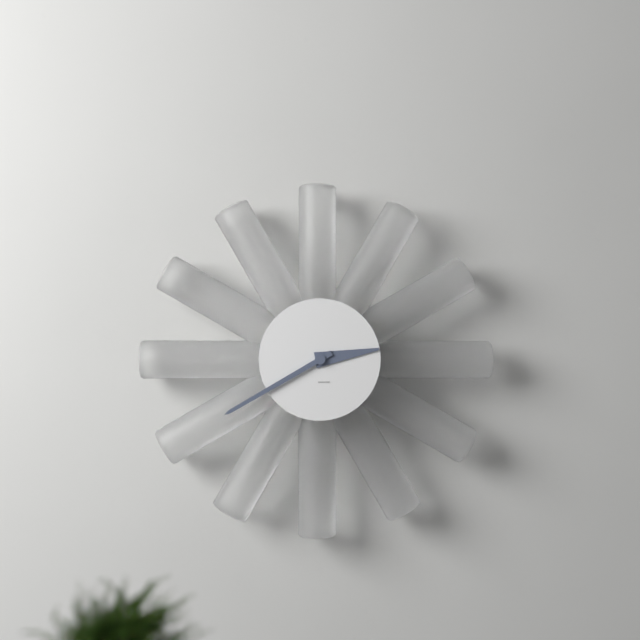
2:40
